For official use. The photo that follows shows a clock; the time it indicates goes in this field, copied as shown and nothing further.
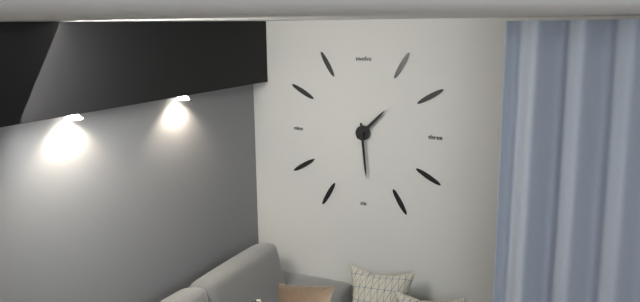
1:29
